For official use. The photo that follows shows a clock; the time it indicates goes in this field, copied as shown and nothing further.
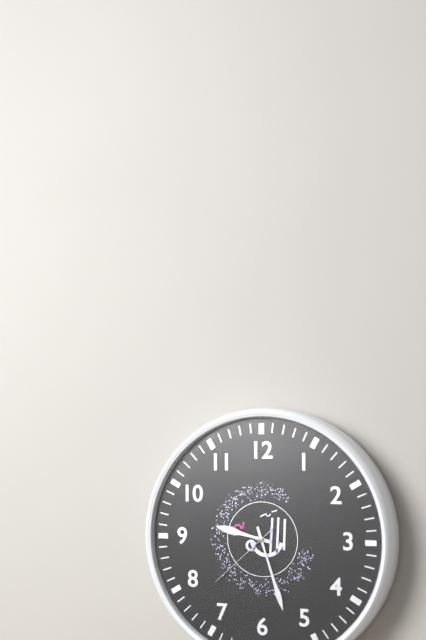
9:27:38
